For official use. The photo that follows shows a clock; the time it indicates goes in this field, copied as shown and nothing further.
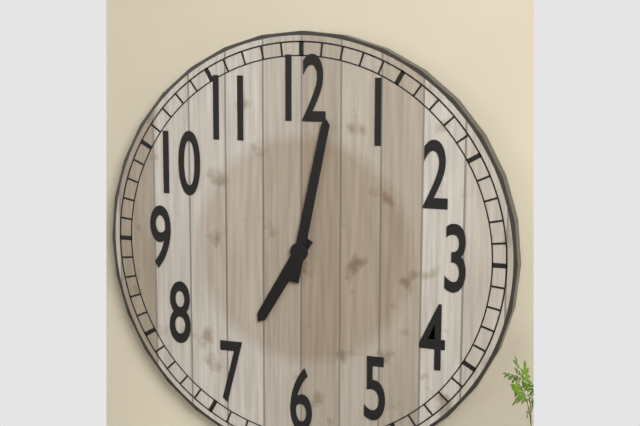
7:02
